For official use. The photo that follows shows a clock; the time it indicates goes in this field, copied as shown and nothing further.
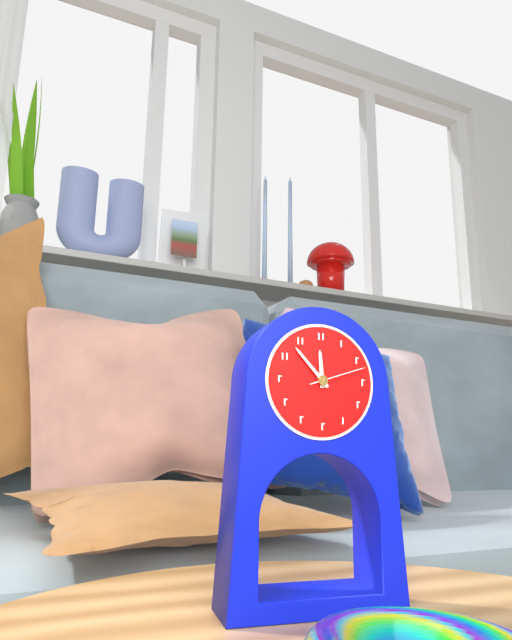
11:53:12
